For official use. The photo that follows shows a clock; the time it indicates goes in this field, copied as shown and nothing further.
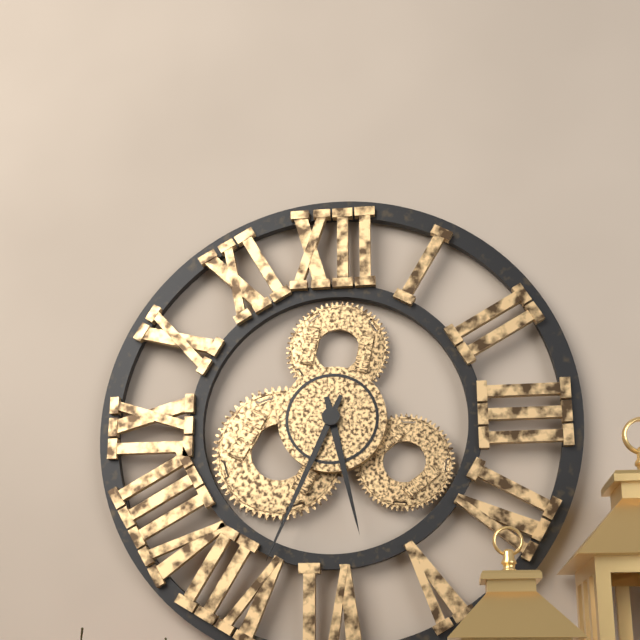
5:34
